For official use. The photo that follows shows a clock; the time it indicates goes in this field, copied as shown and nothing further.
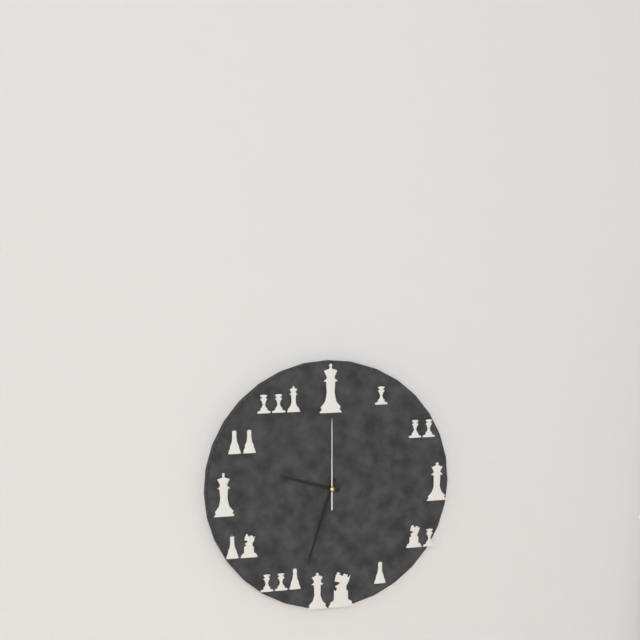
9:33:00
